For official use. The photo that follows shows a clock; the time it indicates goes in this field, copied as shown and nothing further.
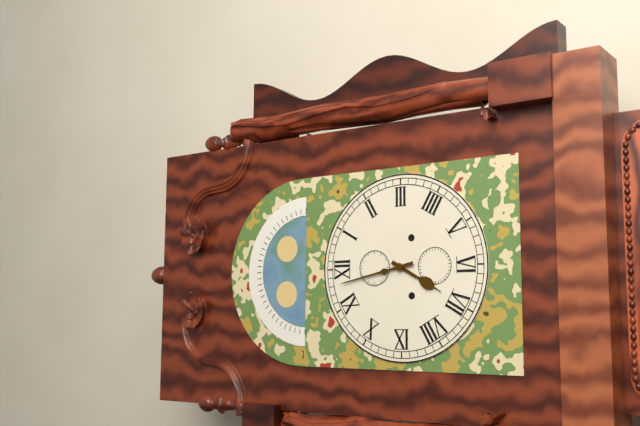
6:58
